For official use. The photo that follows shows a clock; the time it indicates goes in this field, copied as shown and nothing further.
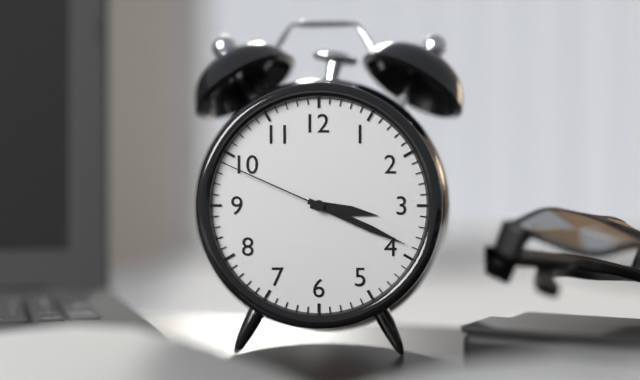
3:19:49
